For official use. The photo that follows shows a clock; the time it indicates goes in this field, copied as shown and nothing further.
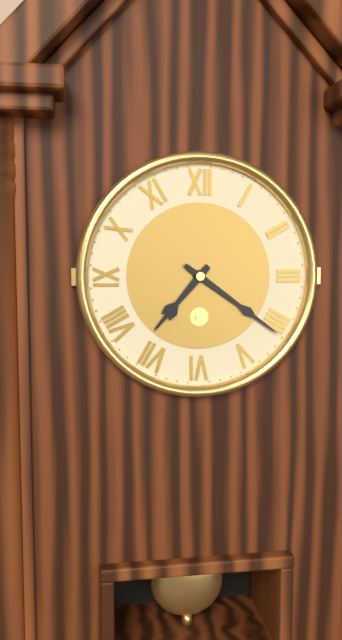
7:21
